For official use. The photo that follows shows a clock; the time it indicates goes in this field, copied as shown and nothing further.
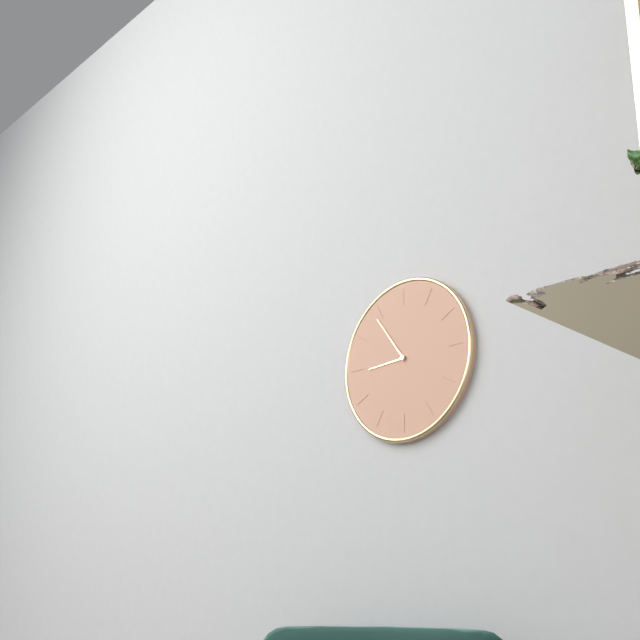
8:54
